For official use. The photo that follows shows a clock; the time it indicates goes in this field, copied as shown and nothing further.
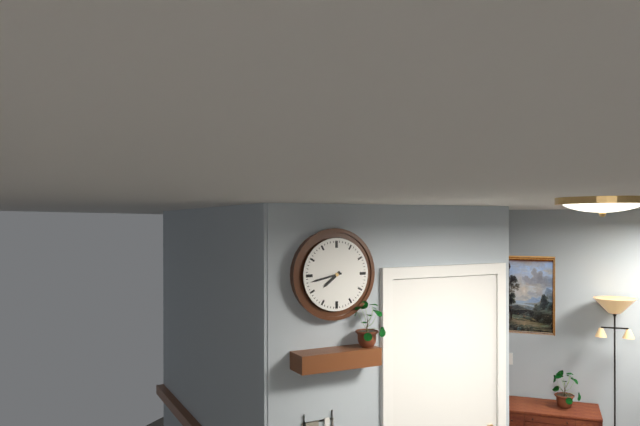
7:43
